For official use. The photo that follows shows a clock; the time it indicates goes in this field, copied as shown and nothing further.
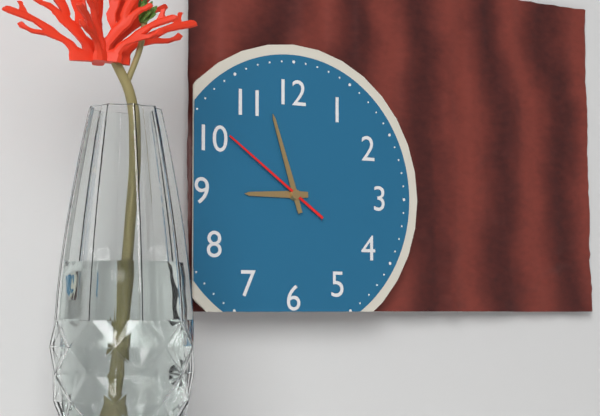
8:57:51
